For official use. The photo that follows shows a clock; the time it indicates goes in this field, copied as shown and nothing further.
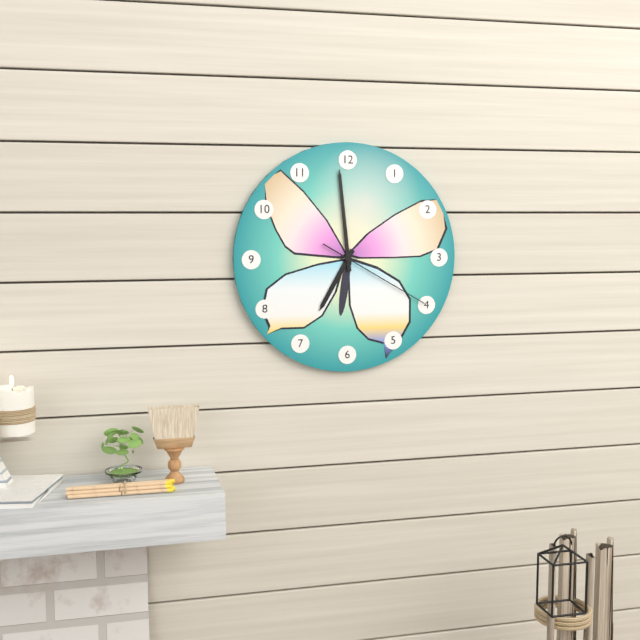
6:59:20
